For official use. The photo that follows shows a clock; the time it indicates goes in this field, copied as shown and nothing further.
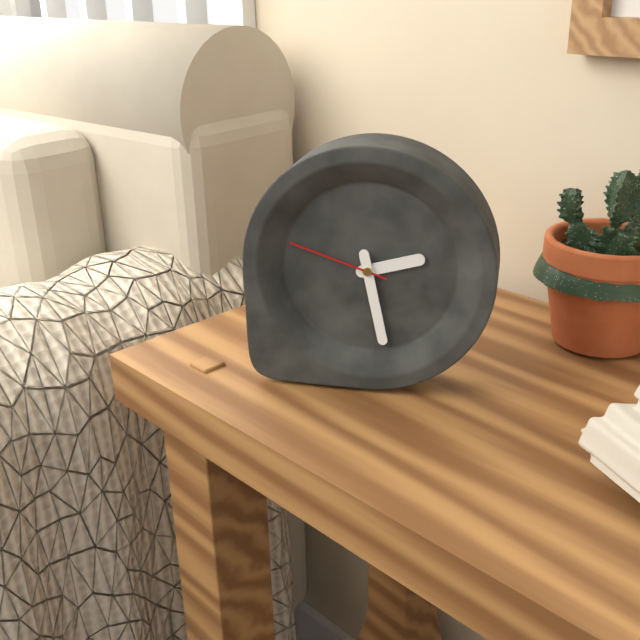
2:28:48
